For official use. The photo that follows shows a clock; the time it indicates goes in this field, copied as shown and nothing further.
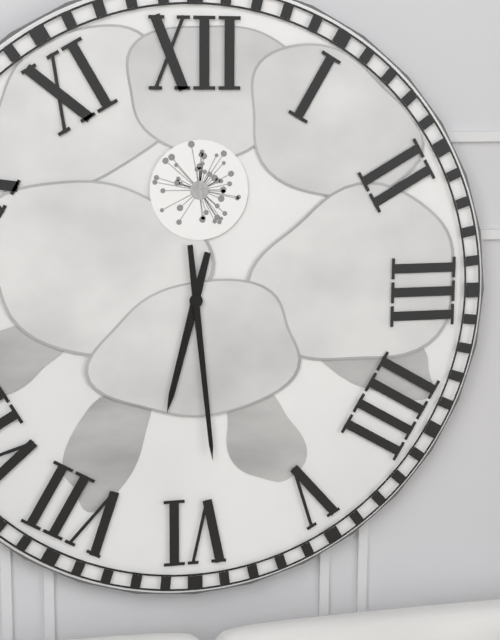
6:29
